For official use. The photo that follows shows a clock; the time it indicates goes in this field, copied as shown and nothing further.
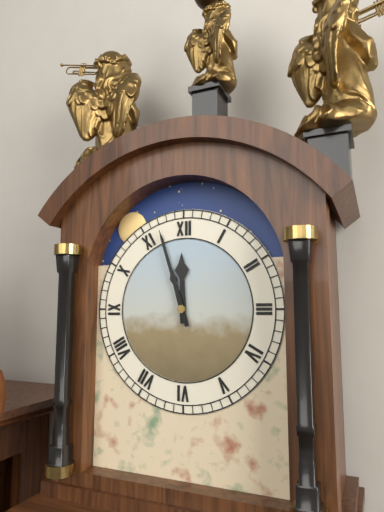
11:57
